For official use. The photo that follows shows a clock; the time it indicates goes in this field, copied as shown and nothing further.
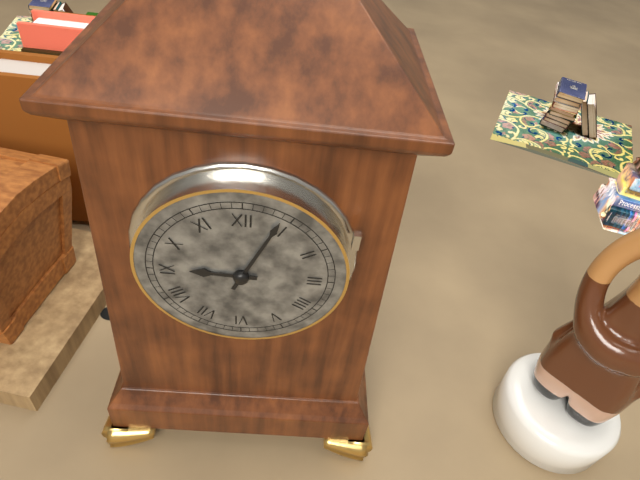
9:04
